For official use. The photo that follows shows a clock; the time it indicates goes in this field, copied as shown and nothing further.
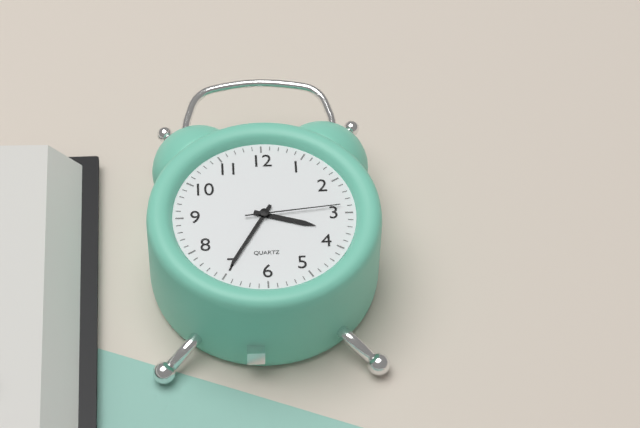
3:35:14
